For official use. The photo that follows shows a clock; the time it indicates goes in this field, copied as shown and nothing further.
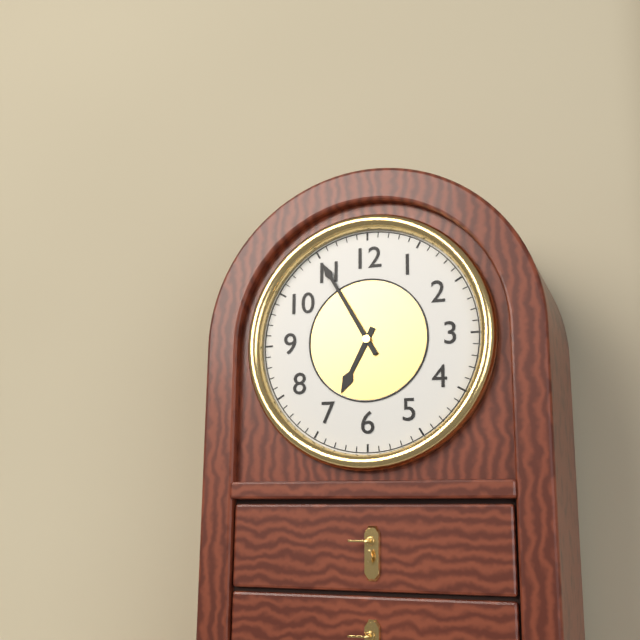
6:55
